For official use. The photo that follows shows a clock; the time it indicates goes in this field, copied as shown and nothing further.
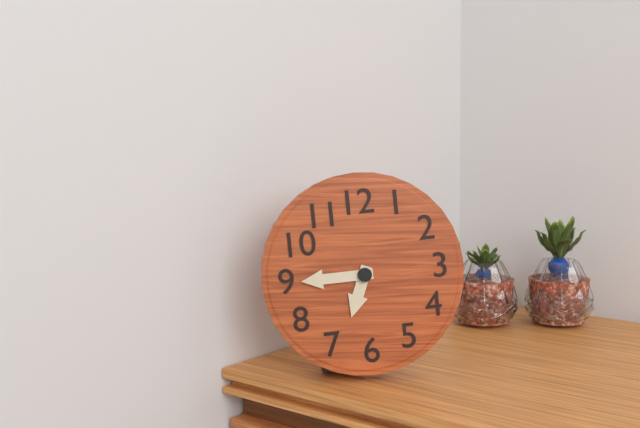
6:45
